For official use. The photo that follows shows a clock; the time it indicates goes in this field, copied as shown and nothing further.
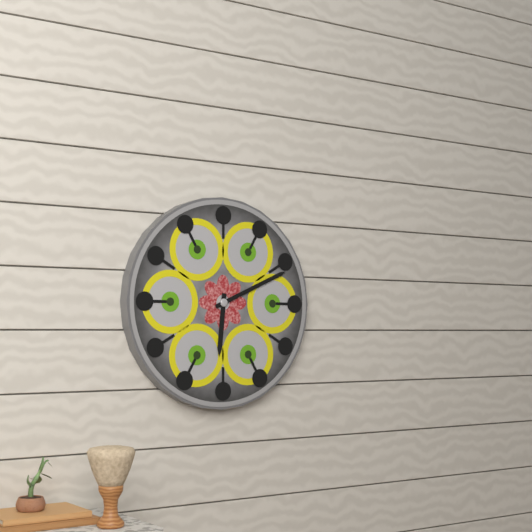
6:11
